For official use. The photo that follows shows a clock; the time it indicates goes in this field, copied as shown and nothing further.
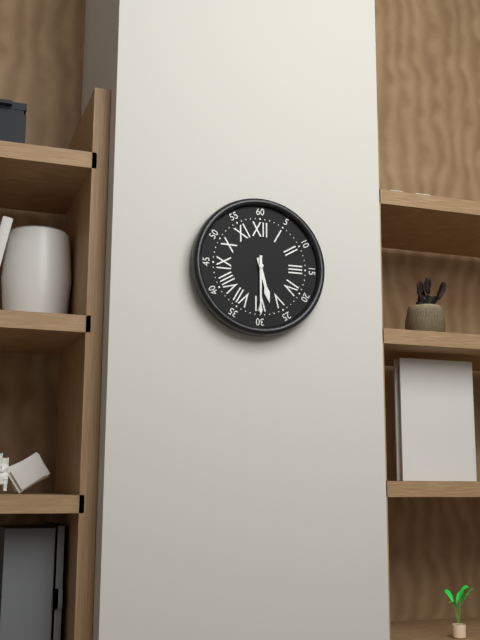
5:30
